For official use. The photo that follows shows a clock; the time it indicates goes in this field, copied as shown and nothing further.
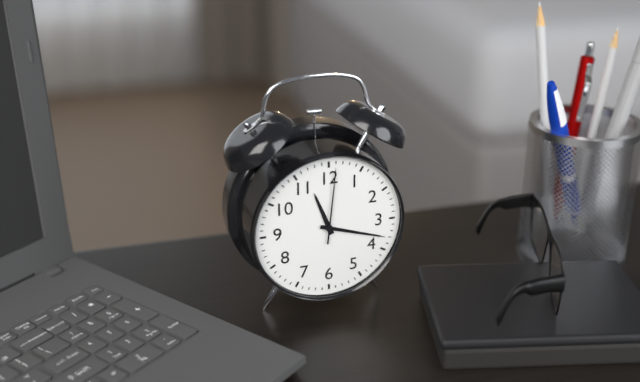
11:18:01
